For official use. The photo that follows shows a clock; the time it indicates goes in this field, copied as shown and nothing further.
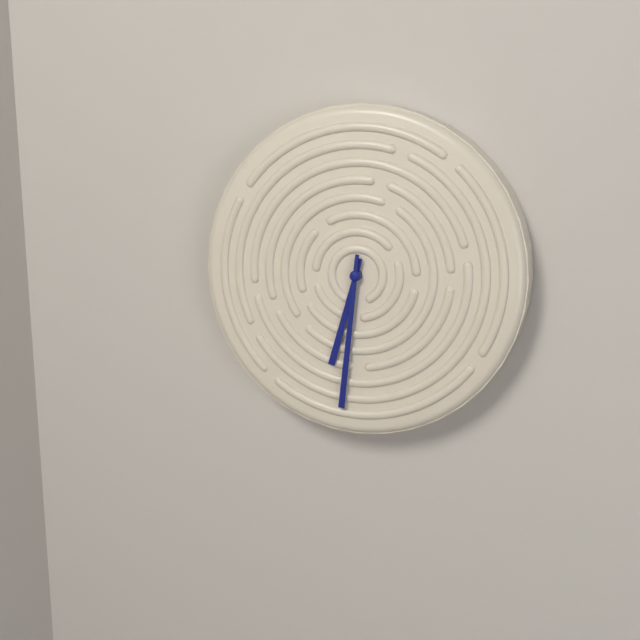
6:31
